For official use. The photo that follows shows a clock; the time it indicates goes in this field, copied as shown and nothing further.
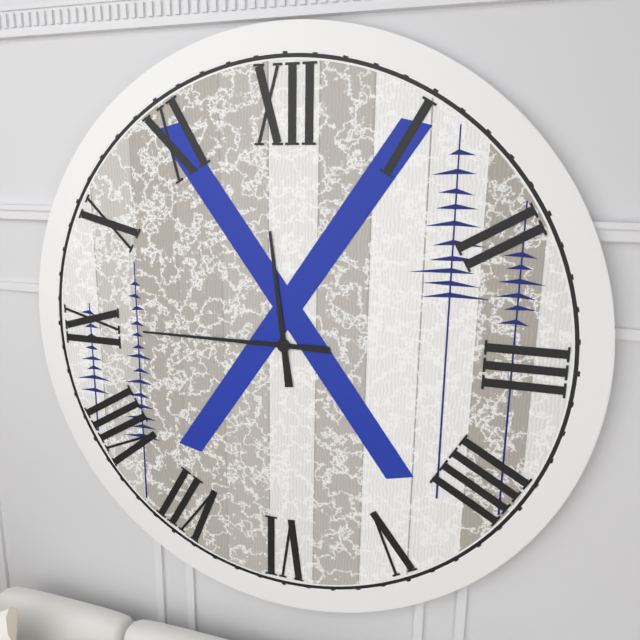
11:45
